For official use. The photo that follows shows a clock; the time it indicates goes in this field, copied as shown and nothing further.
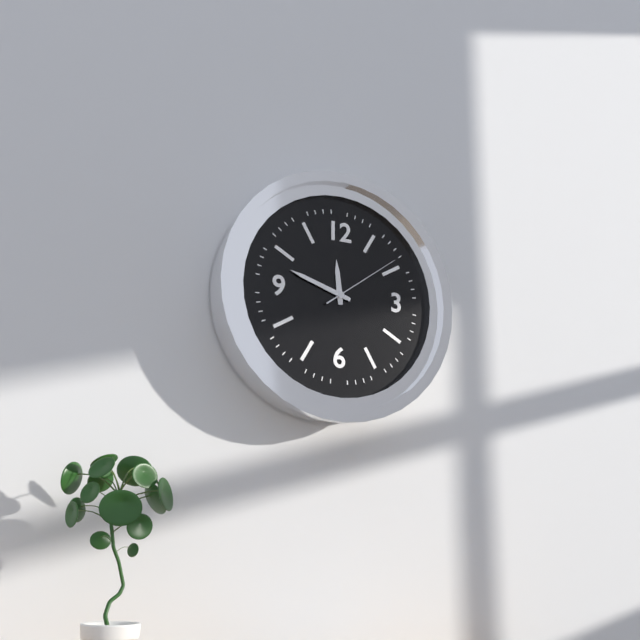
11:48:09
